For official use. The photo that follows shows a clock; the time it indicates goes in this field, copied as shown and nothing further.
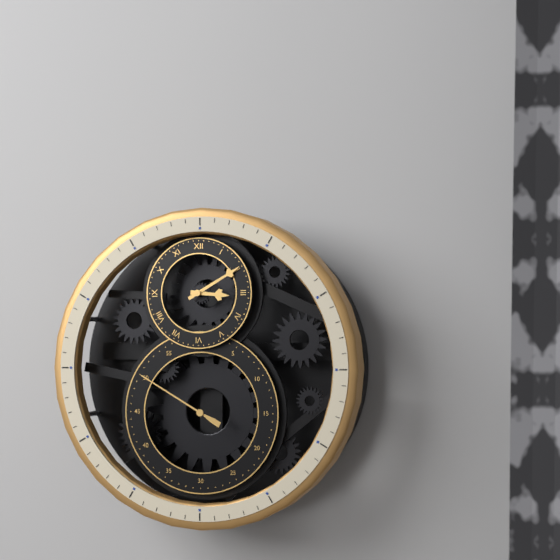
3:10:50
